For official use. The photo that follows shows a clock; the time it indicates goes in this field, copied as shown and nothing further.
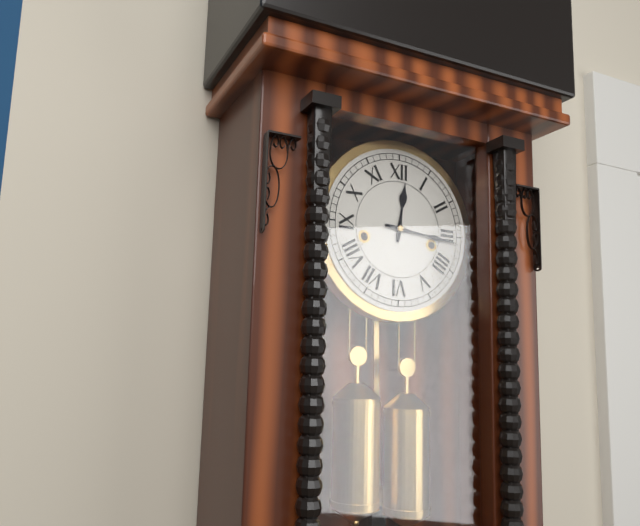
12:16
